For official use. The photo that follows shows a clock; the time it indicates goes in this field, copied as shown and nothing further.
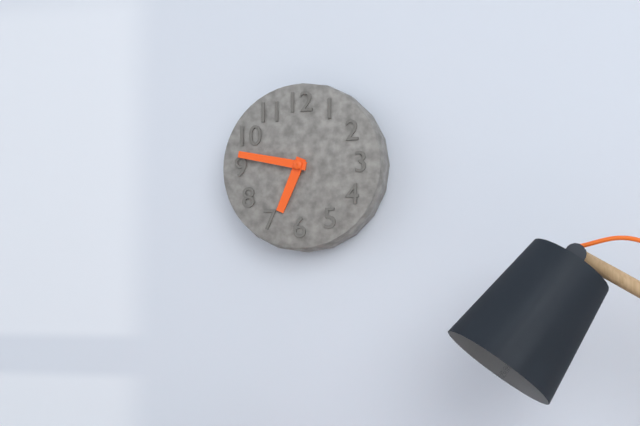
6:47
